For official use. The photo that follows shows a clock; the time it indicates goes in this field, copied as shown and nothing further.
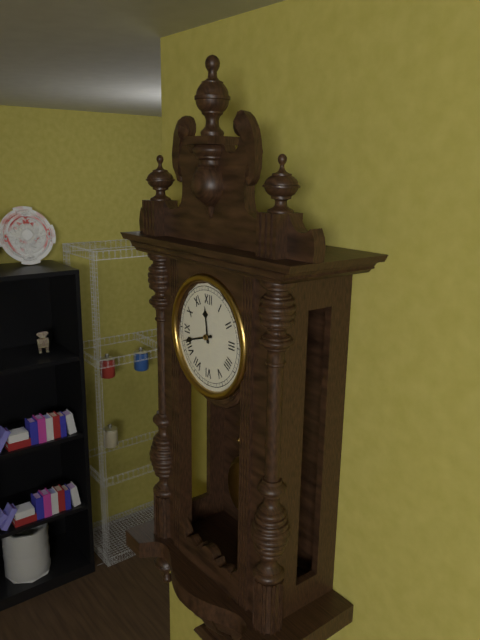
11:42
